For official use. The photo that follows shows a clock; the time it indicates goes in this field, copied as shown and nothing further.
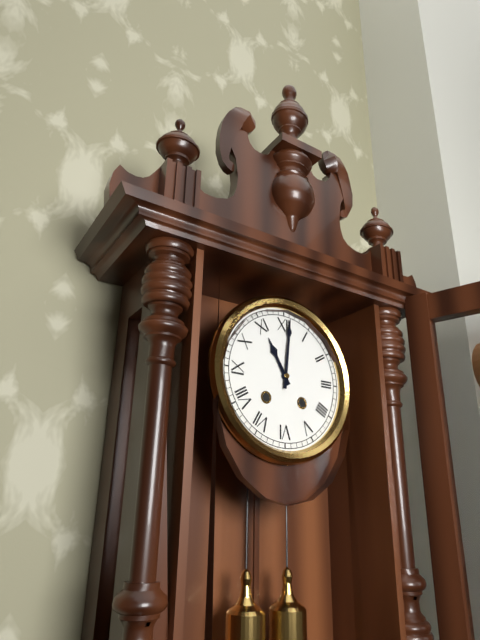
11:01
